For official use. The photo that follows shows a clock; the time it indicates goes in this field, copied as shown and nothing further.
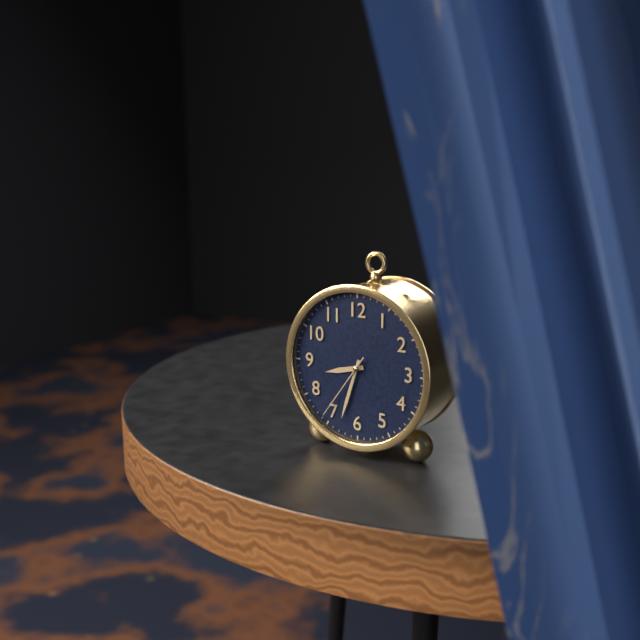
8:33:36
